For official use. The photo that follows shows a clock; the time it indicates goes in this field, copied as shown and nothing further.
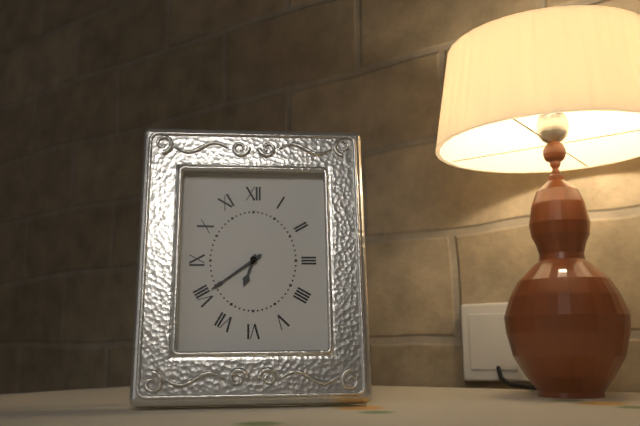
6:39
